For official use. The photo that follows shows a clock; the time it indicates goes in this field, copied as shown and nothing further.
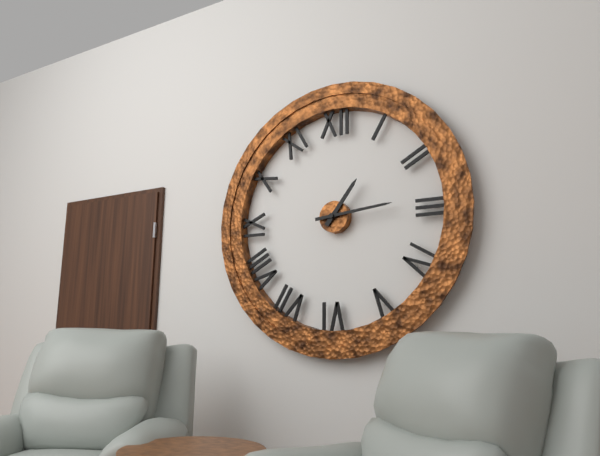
1:14
